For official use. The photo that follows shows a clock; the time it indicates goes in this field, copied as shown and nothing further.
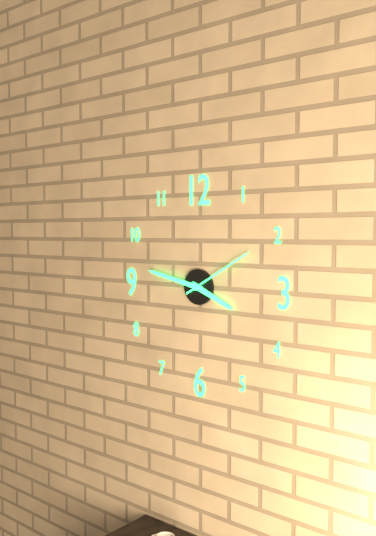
3:47:10
